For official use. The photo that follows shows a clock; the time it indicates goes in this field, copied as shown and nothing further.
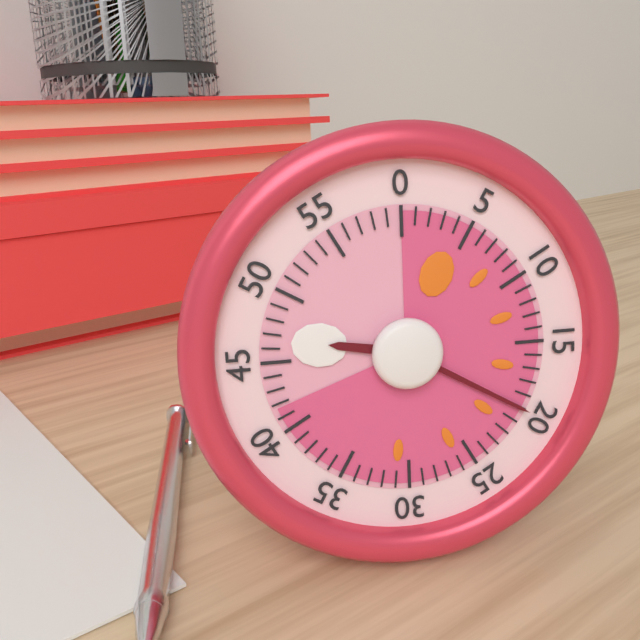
9:20
